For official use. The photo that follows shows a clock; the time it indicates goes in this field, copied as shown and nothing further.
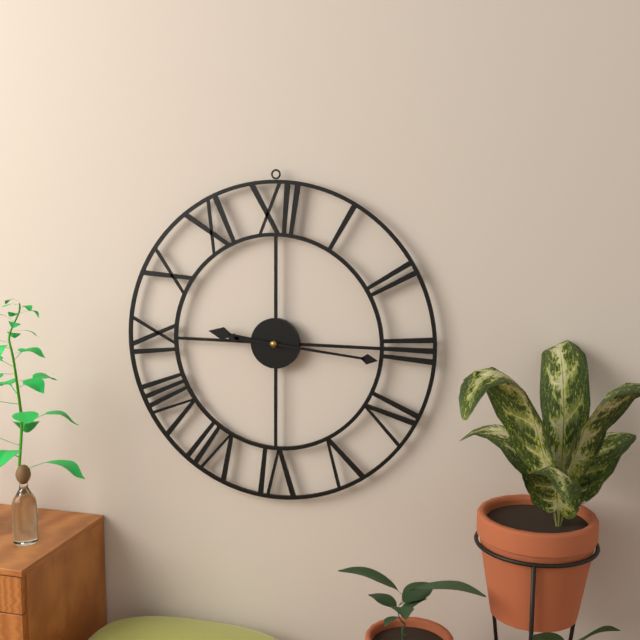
9:16
